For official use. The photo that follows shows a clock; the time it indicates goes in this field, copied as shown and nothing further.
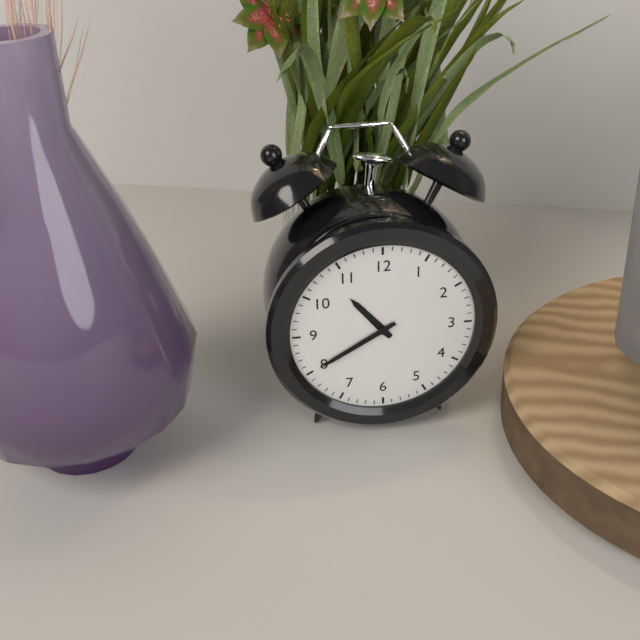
10:40
